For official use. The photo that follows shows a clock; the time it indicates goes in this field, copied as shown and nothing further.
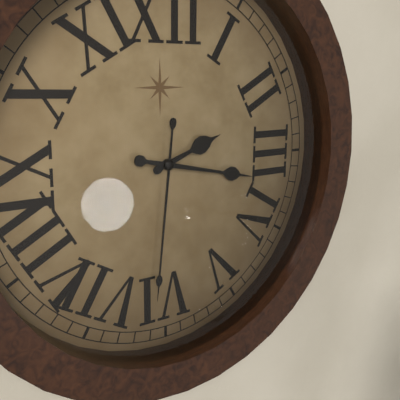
2:17:31
